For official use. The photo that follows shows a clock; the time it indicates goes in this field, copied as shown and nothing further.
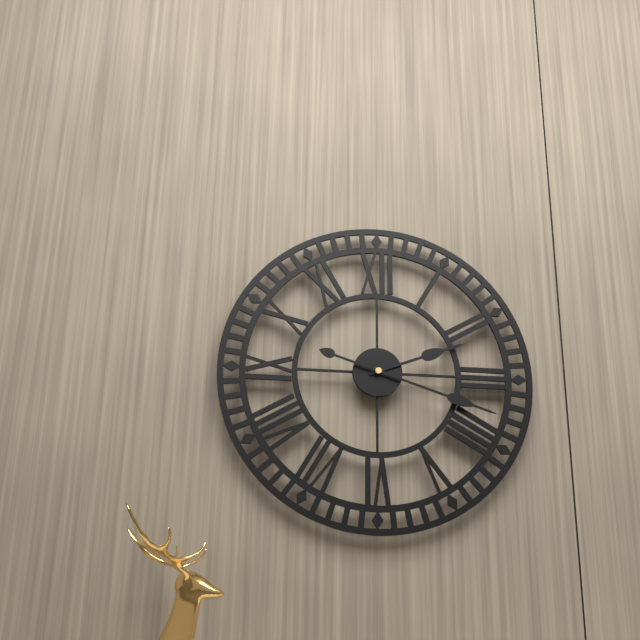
2:18
